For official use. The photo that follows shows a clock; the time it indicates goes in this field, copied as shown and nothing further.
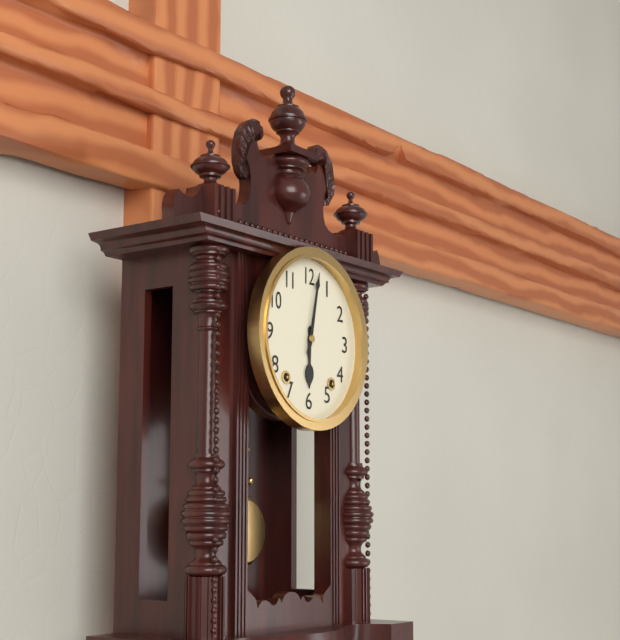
6:02
